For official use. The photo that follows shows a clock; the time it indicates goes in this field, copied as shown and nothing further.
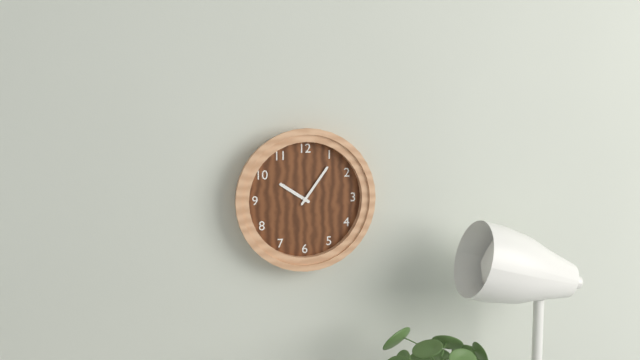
10:06
